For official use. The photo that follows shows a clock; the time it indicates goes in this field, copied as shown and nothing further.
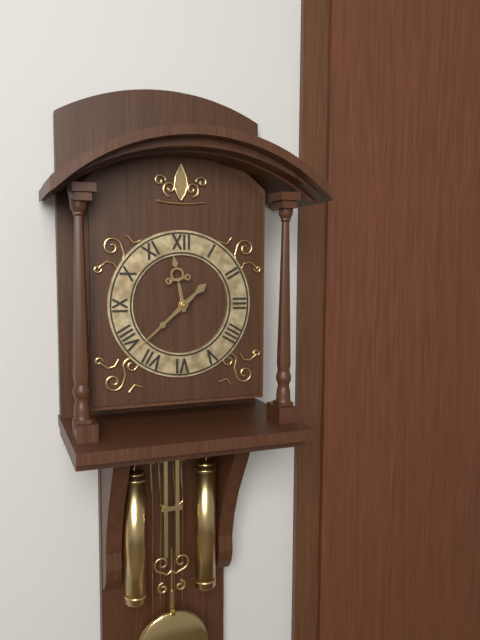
11:38
